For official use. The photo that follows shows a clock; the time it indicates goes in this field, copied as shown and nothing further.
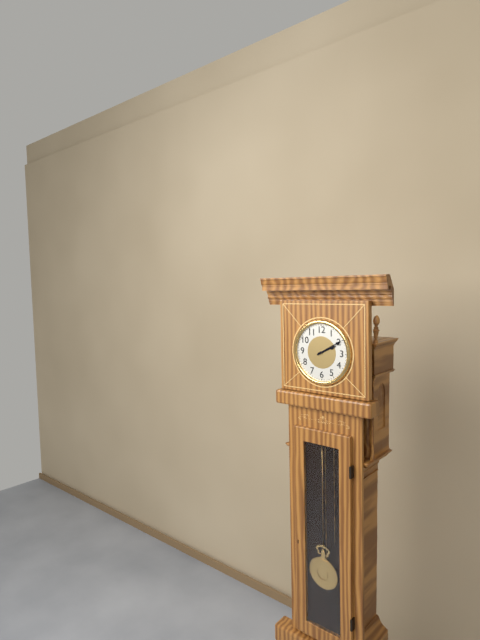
2:10
